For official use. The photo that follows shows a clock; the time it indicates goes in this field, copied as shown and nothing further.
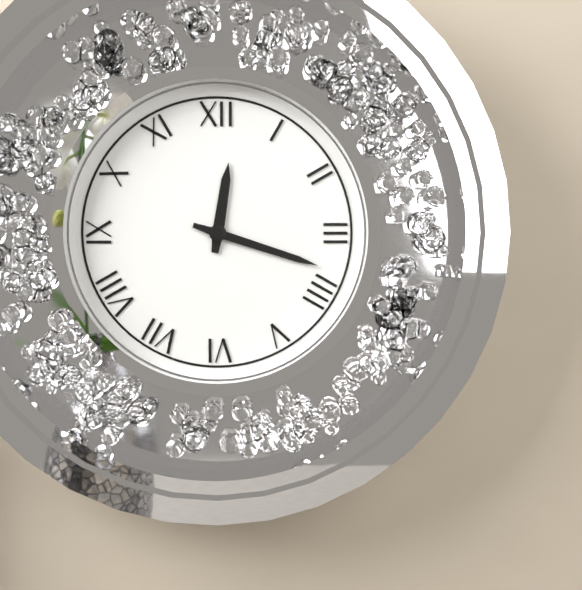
12:18
